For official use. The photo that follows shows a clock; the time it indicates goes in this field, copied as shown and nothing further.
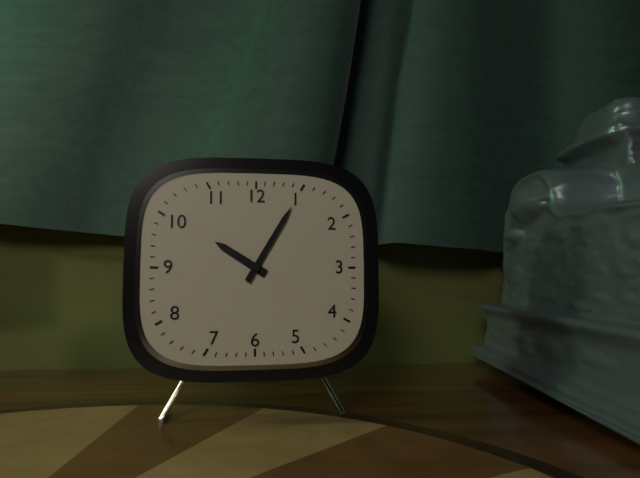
10:05
